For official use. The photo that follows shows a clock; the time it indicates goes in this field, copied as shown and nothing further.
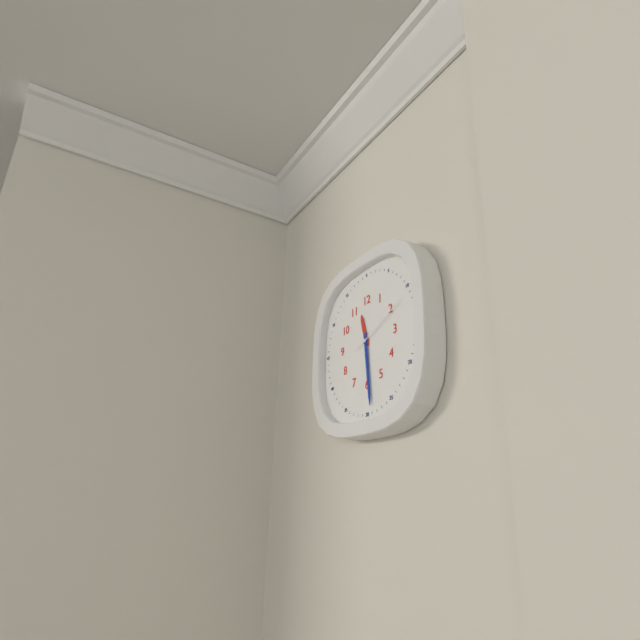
11:29:11
